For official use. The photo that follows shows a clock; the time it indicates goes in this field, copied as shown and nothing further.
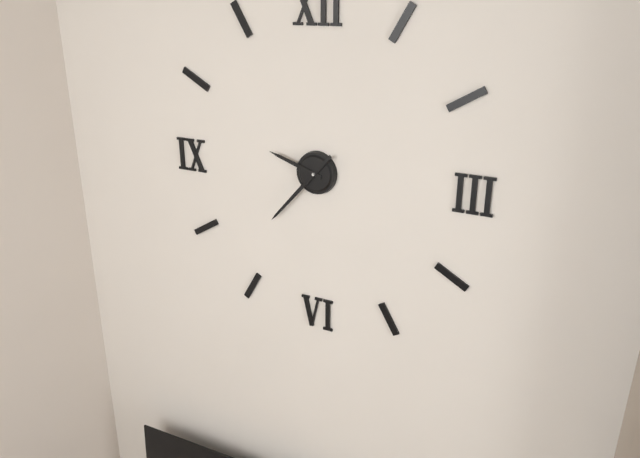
9:37
